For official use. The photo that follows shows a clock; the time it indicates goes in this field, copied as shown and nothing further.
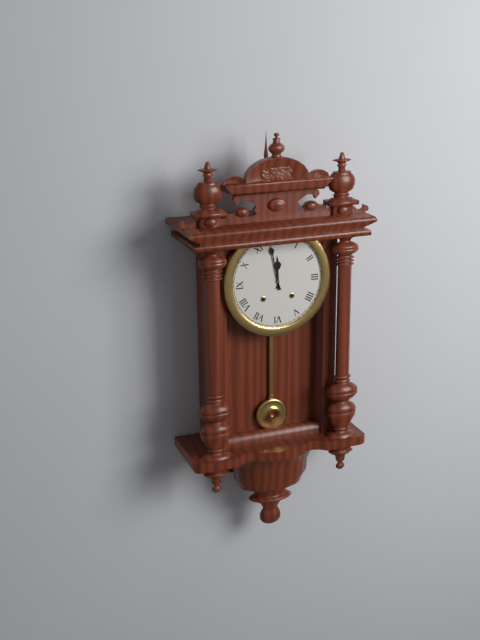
11:58
